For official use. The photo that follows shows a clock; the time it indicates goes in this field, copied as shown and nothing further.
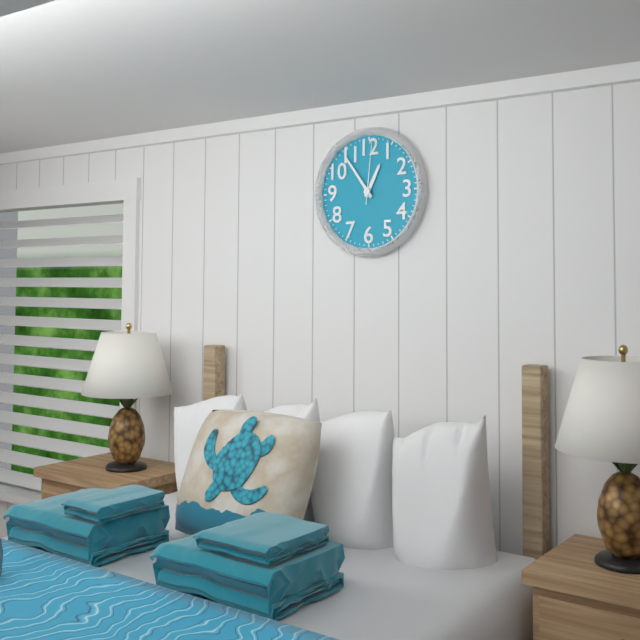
12:54:01
